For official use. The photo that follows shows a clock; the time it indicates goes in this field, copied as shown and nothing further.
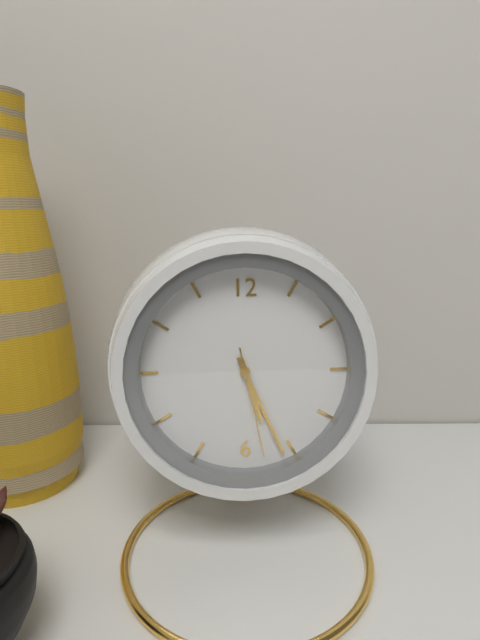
5:26:28
